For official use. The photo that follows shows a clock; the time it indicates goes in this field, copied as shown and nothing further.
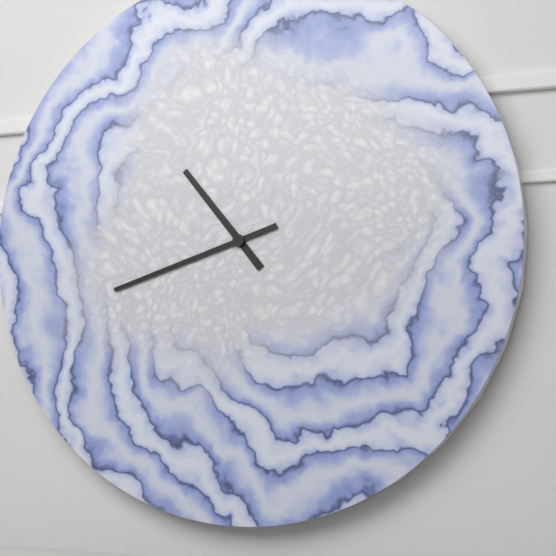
10:42
